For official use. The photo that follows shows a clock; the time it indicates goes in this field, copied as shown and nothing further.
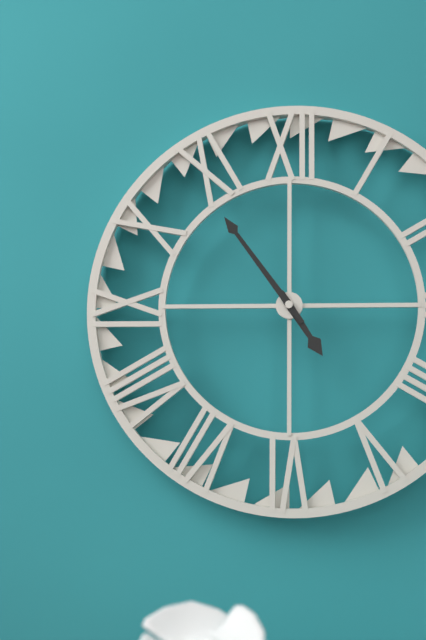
4:54
